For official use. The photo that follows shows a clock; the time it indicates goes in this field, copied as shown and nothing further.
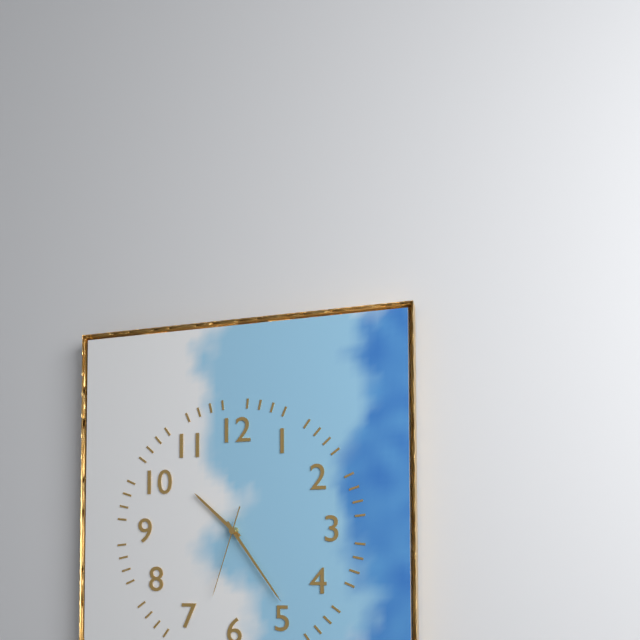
10:24:33
